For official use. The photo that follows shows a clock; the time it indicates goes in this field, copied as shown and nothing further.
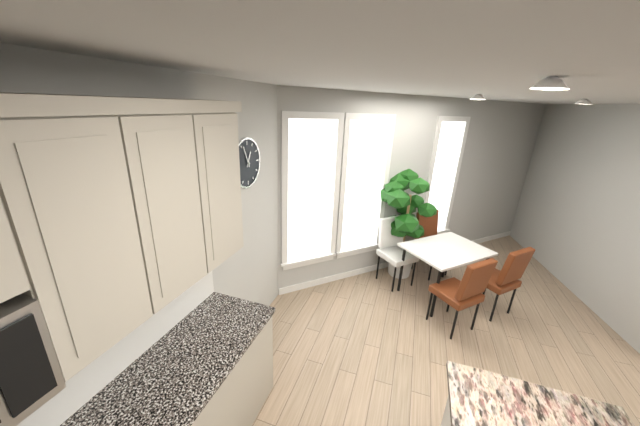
12:56
